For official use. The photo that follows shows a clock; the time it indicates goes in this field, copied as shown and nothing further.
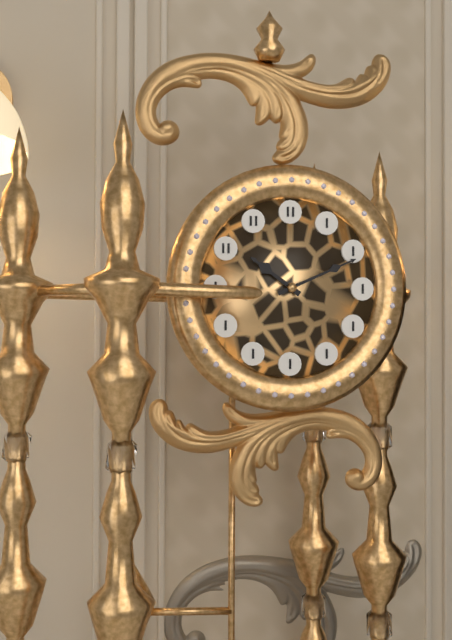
10:11
